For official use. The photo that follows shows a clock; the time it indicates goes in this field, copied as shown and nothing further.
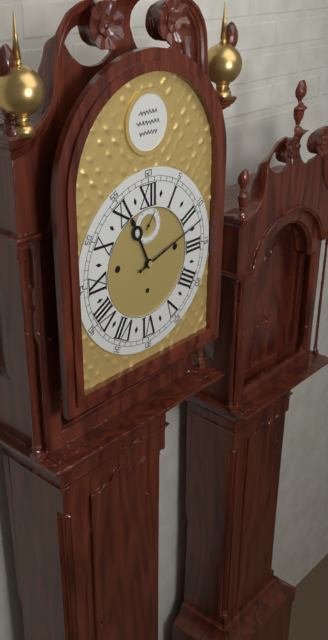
11:12
